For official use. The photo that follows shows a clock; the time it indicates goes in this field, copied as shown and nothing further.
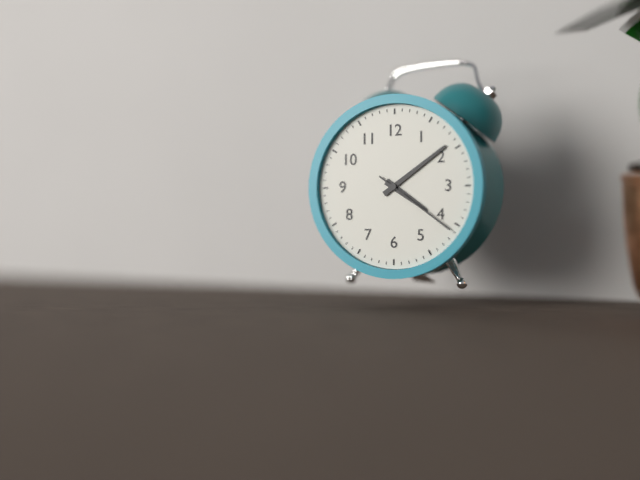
4:09:21
